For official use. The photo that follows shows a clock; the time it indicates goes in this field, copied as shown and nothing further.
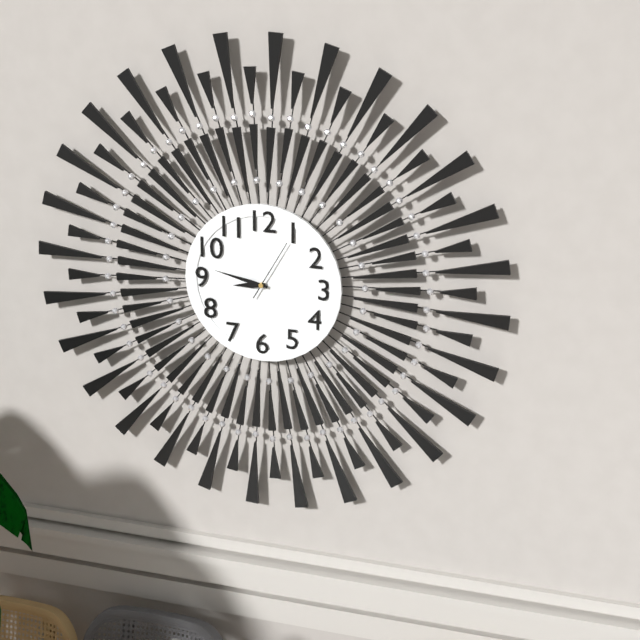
8:47:05
